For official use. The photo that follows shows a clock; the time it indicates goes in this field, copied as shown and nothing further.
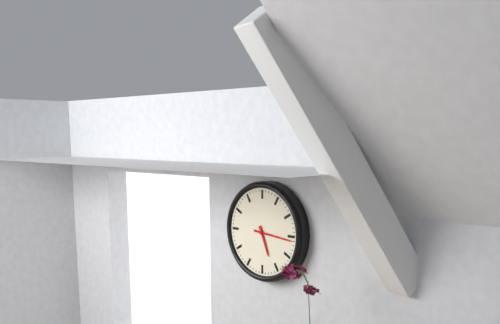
5:16
